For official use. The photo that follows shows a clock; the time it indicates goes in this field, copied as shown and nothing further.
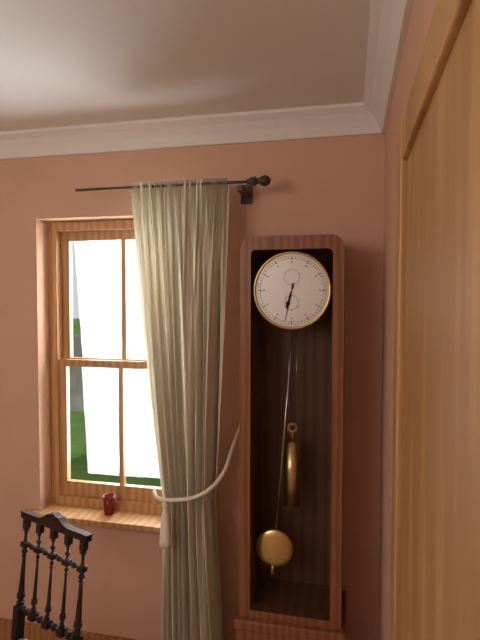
6:32
